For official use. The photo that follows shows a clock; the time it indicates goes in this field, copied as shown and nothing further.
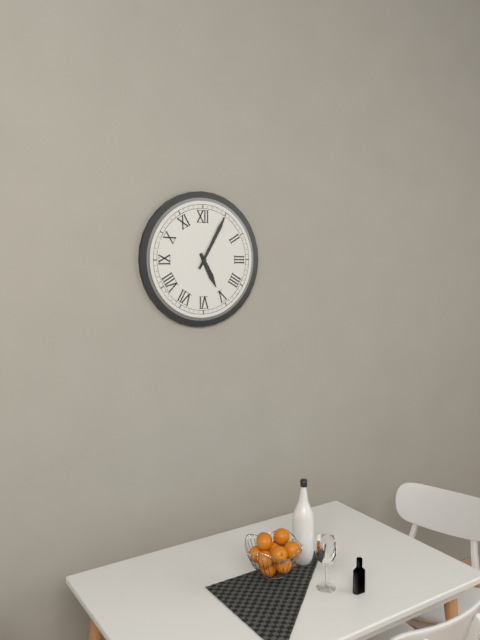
5:05
